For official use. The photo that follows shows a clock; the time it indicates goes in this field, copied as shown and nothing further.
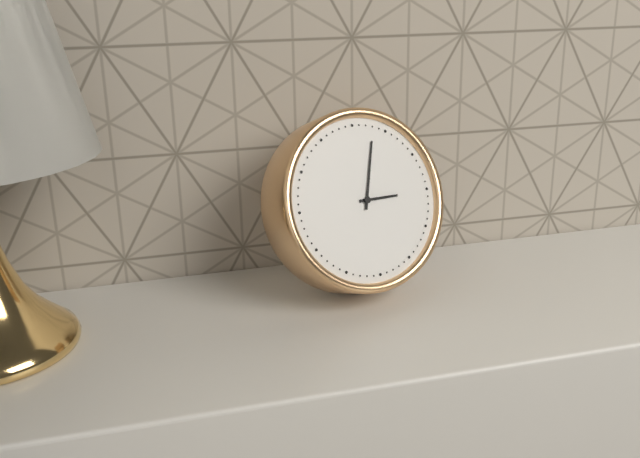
3:03
